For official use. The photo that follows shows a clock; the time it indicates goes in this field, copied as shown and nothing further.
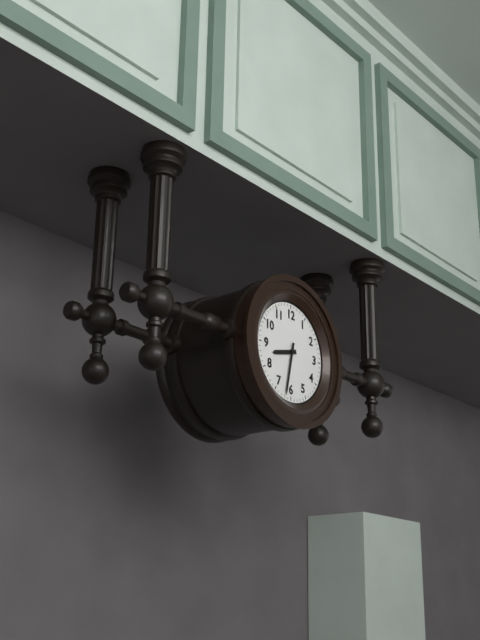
8:32
